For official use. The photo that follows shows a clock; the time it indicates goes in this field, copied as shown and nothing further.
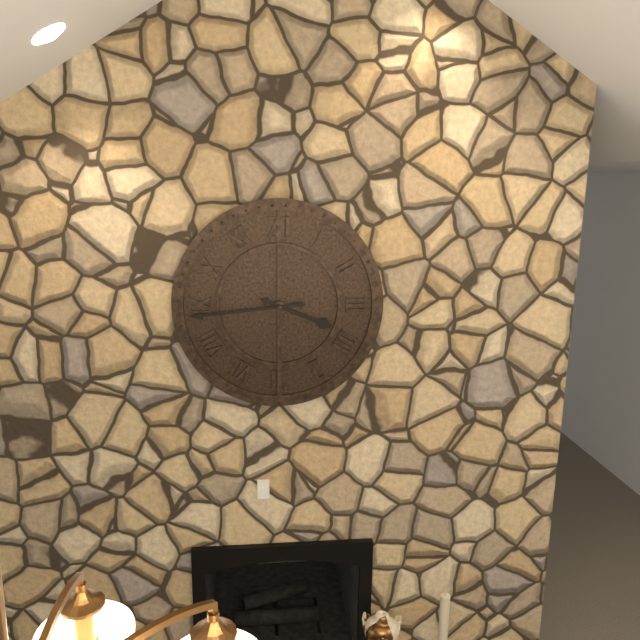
3:44
